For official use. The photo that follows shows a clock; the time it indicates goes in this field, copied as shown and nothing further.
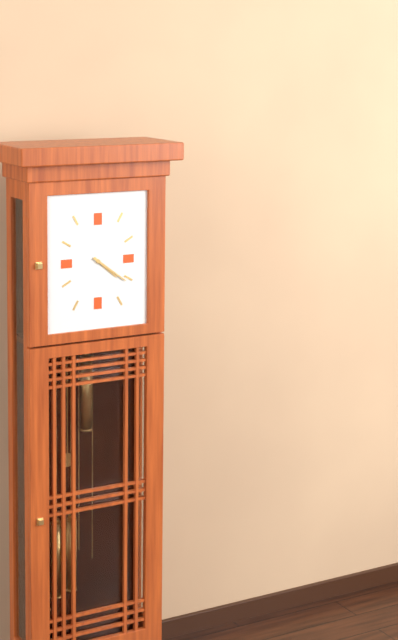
4:21
